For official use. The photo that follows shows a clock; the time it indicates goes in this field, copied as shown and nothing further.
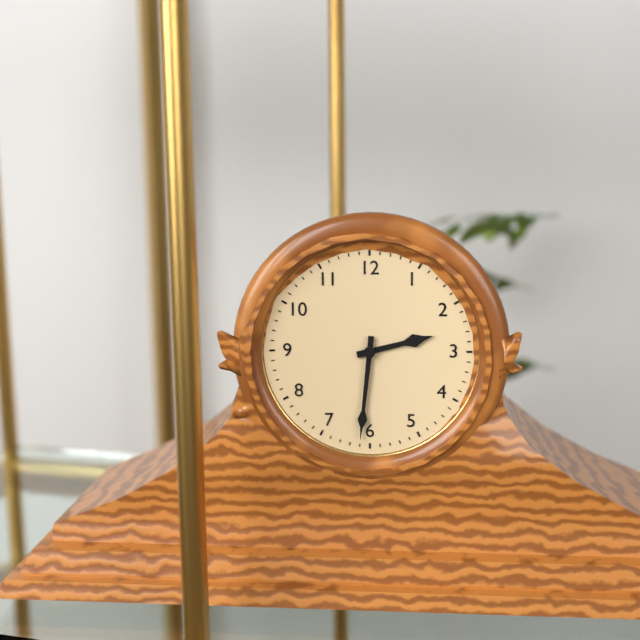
2:31
